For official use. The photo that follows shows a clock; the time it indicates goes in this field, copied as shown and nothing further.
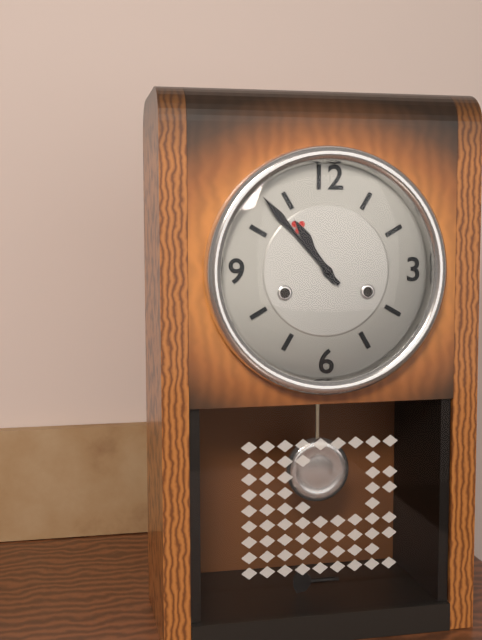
10:53
